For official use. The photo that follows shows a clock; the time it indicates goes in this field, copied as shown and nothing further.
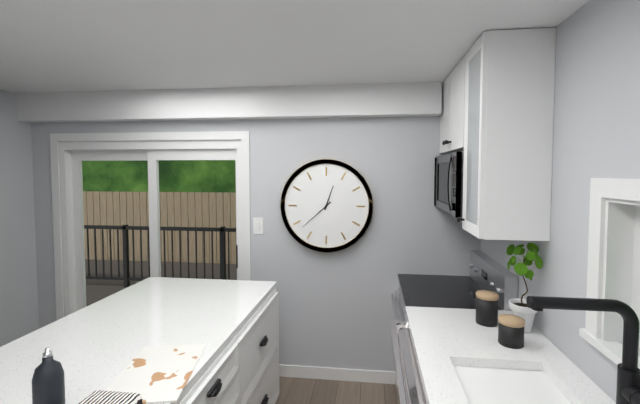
12:38
